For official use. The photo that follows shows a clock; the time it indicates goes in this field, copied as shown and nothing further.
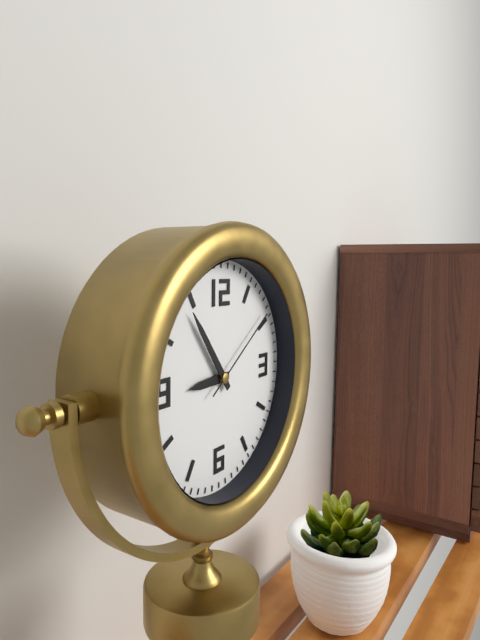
8:54:09
